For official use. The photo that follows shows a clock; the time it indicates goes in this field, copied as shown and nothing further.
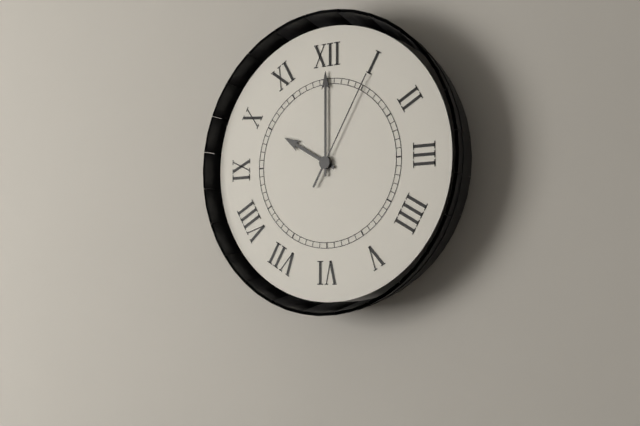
10:00:05
